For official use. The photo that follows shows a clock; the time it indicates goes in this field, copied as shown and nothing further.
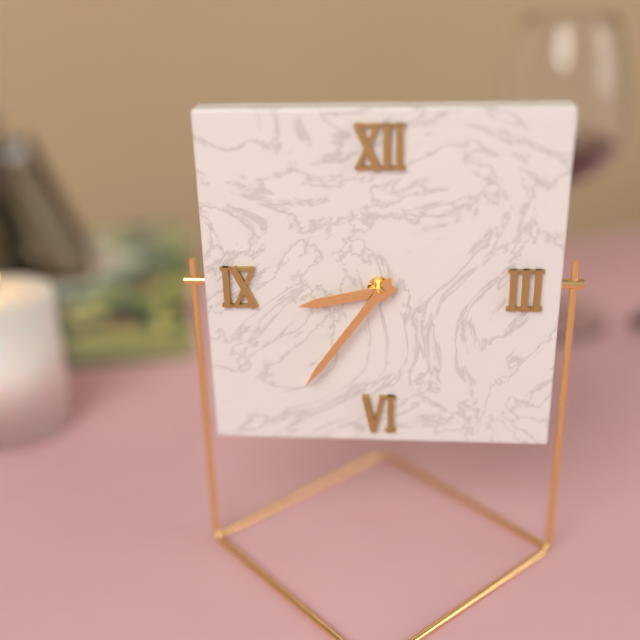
8:36
